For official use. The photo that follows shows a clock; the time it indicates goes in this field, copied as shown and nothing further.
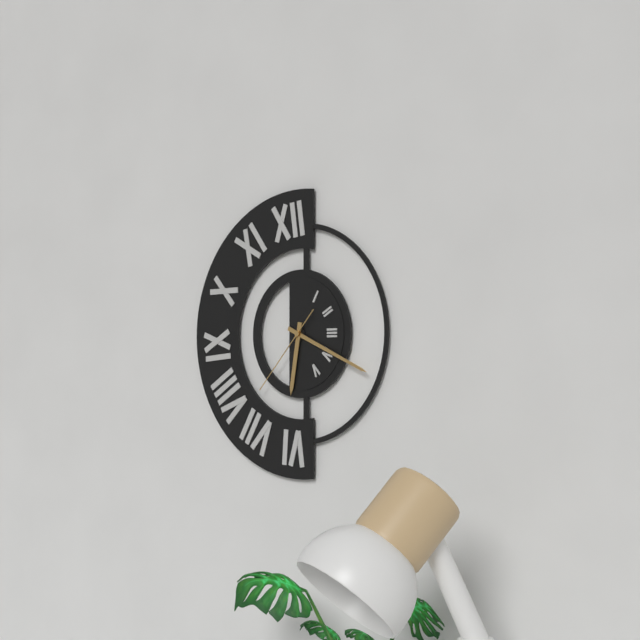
6:19:37
